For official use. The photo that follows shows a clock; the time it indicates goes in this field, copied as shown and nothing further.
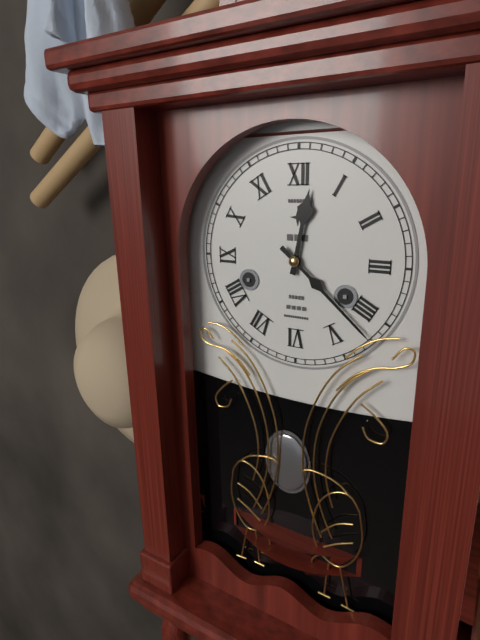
12:22
